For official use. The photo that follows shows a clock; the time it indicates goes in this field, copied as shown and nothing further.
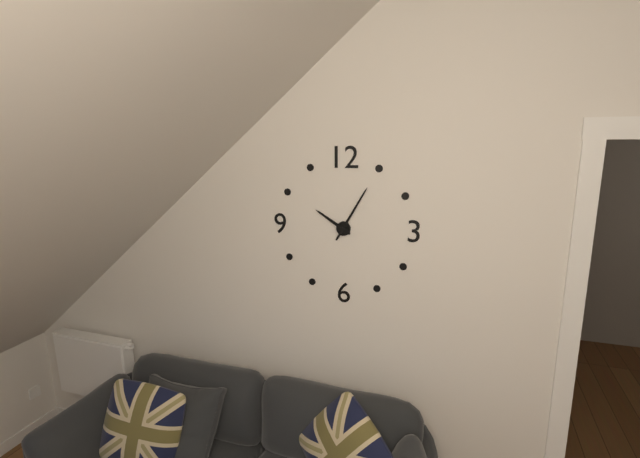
10:05
